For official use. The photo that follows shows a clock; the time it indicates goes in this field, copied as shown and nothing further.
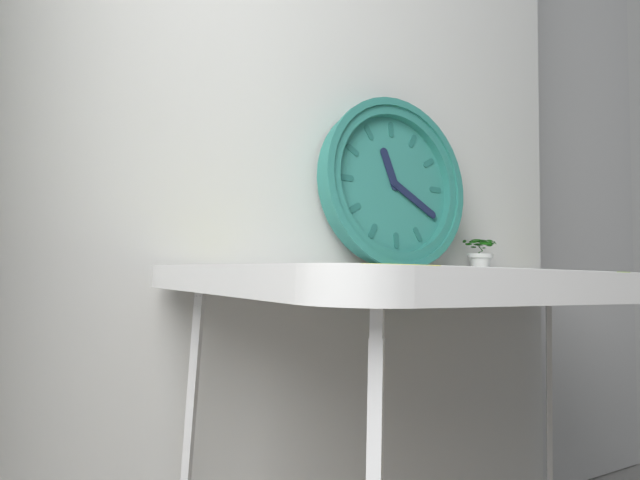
11:20
